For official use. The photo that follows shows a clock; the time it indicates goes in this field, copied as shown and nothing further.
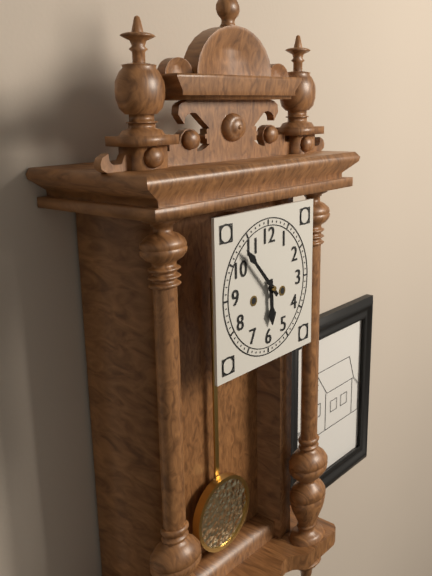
5:53
